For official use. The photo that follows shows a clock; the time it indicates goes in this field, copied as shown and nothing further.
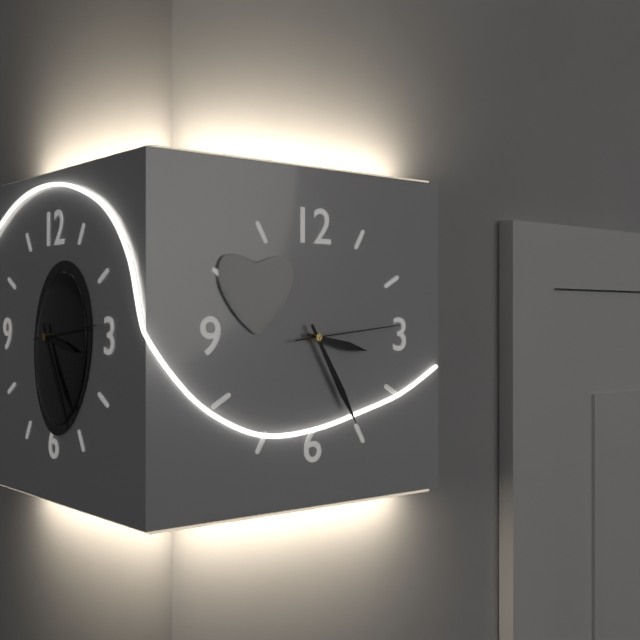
3:25:14
